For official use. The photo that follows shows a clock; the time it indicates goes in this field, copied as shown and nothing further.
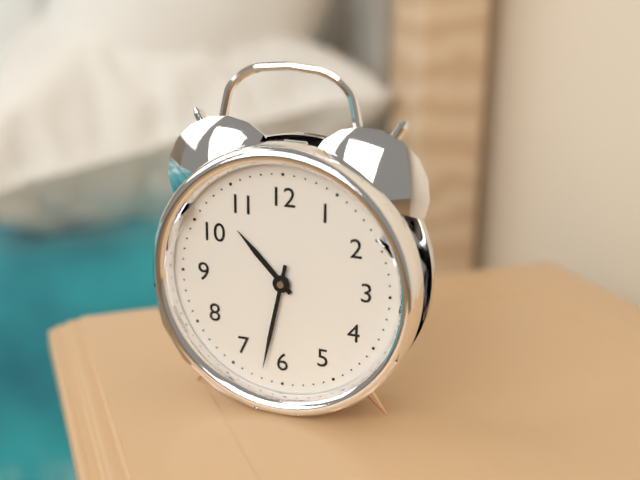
10:32
